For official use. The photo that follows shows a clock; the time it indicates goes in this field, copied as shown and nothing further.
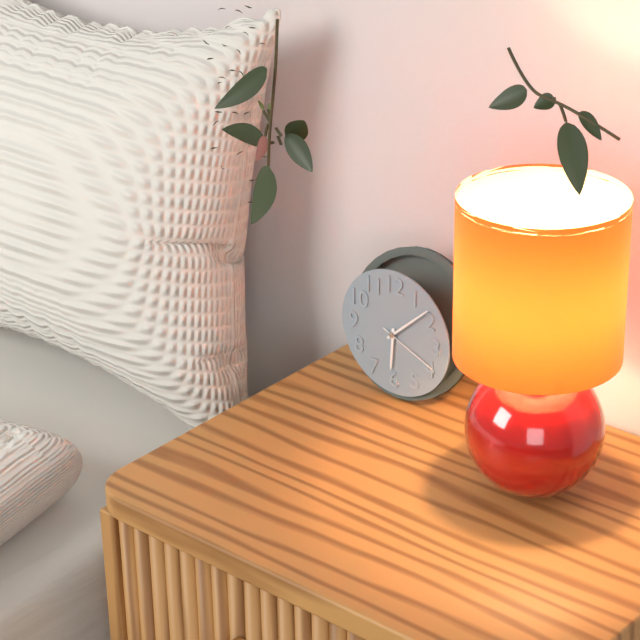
6:08:19
